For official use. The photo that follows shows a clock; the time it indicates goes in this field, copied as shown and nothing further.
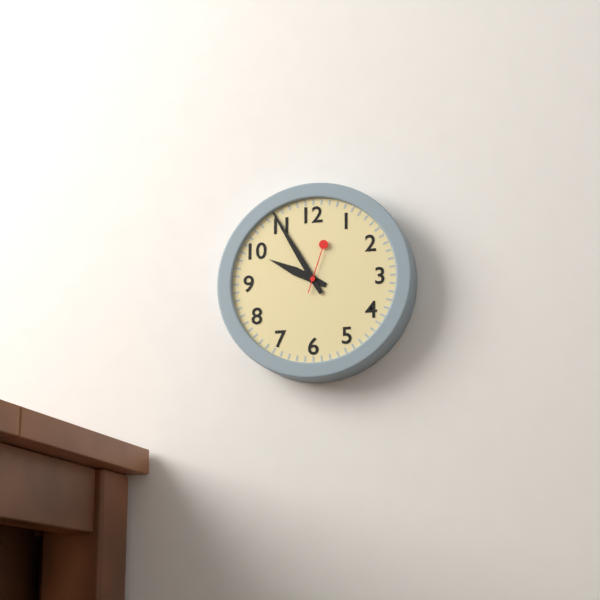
9:55:03
